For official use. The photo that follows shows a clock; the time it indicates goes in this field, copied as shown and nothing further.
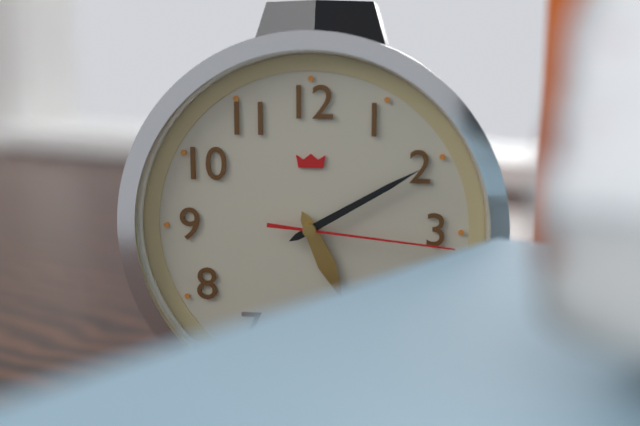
5:10:16
